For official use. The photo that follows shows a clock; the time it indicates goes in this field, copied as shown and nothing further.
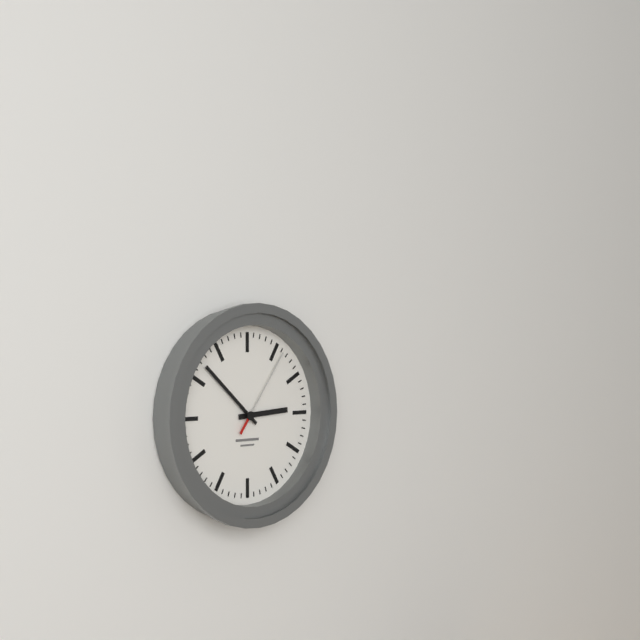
2:52:06
